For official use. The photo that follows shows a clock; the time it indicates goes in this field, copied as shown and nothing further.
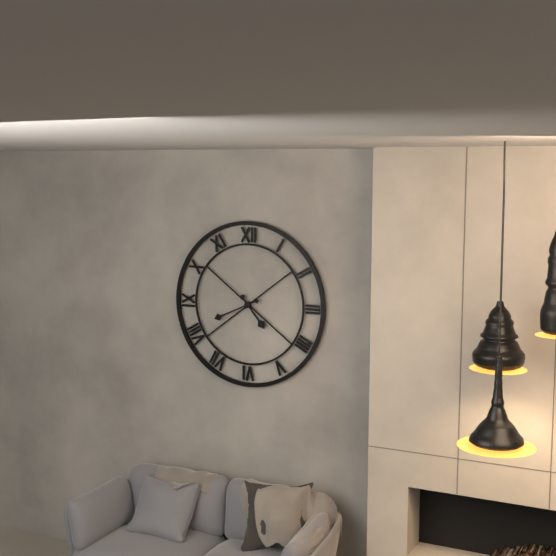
4:41
